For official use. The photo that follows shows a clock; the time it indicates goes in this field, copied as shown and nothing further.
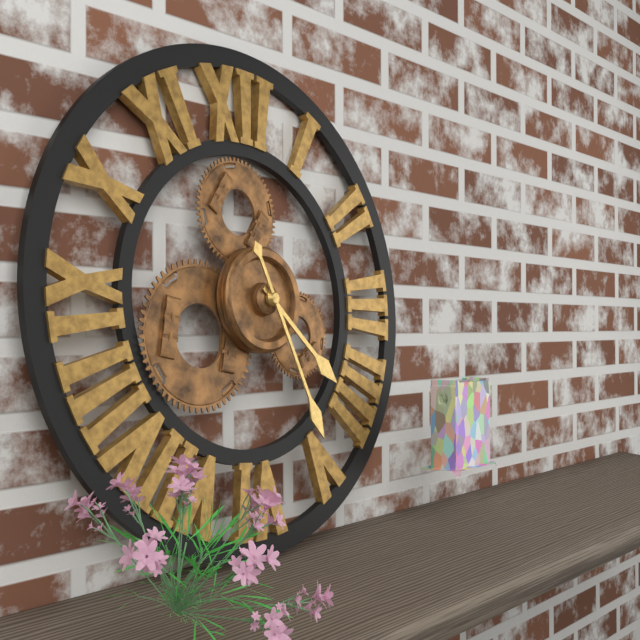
4:26
